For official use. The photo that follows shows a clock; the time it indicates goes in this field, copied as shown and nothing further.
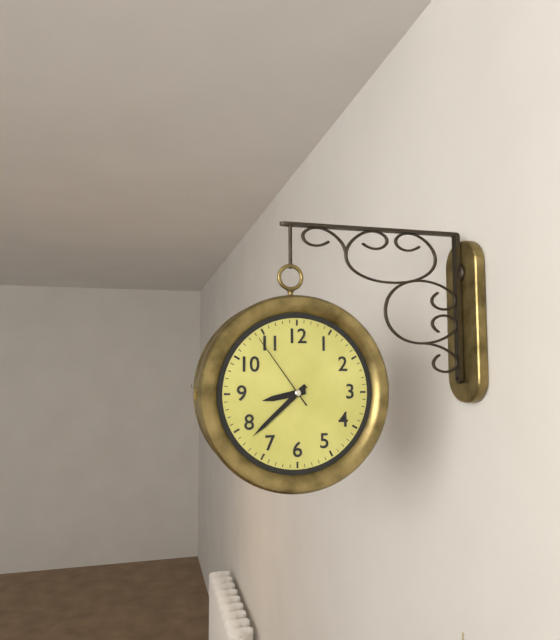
8:38:54
